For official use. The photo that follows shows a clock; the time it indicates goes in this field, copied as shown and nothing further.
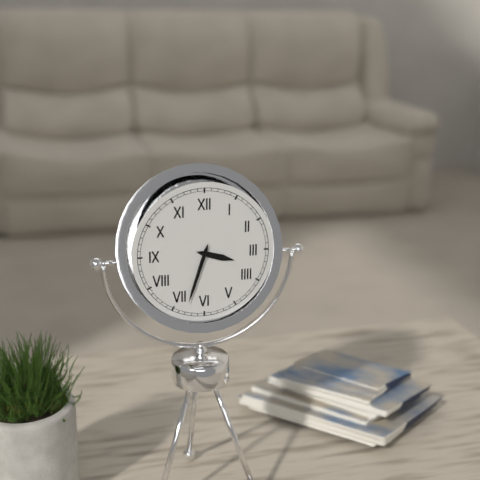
3:33
